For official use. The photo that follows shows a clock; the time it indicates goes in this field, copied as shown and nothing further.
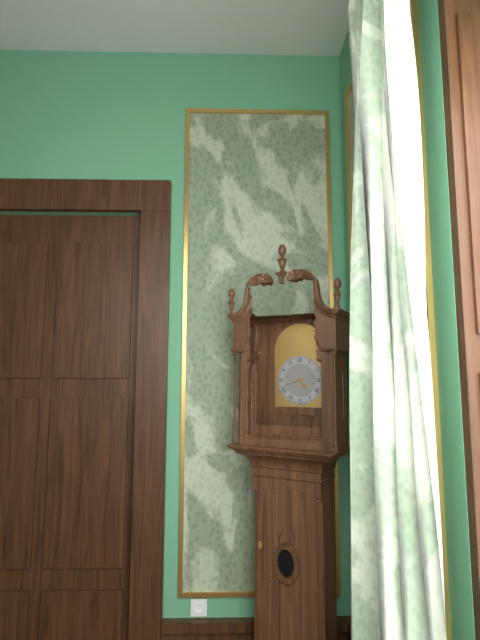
4:42
